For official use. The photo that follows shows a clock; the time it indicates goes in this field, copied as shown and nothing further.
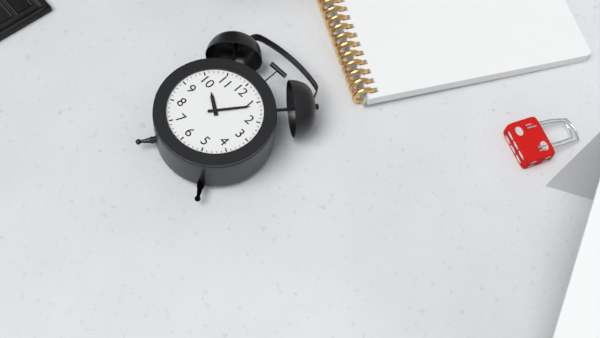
10:06
